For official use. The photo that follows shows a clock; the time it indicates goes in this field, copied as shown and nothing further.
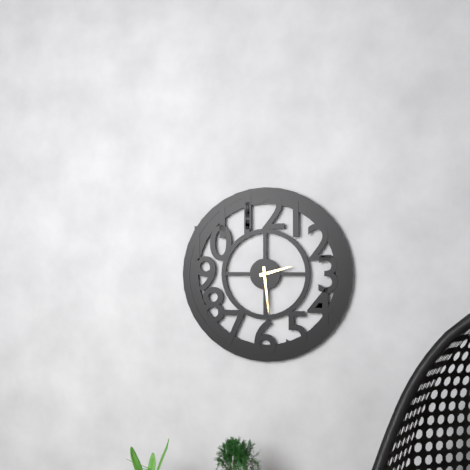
2:29
